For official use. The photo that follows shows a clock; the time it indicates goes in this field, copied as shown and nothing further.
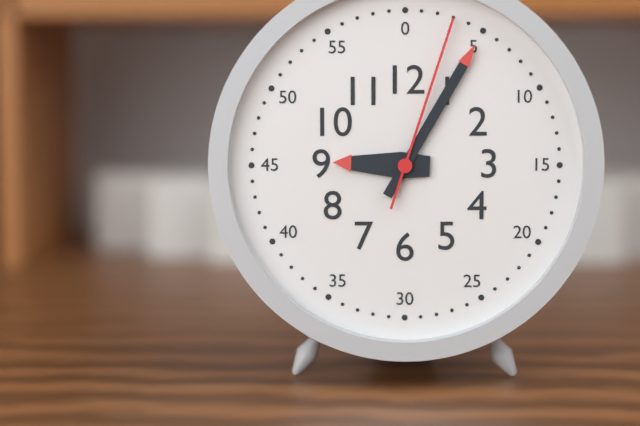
9:05:03
